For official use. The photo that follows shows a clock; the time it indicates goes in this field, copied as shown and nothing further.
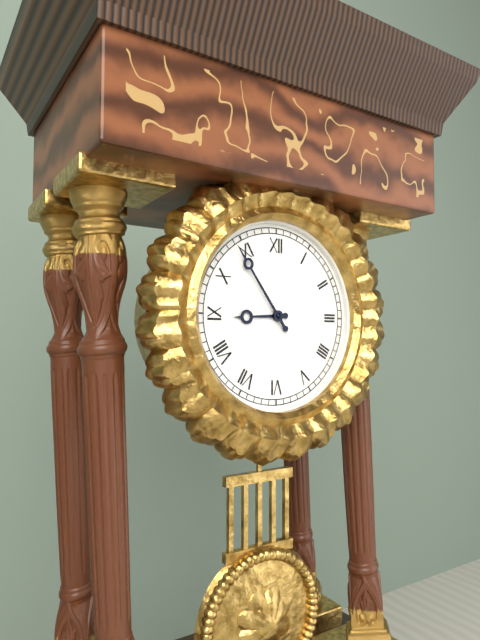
8:54
